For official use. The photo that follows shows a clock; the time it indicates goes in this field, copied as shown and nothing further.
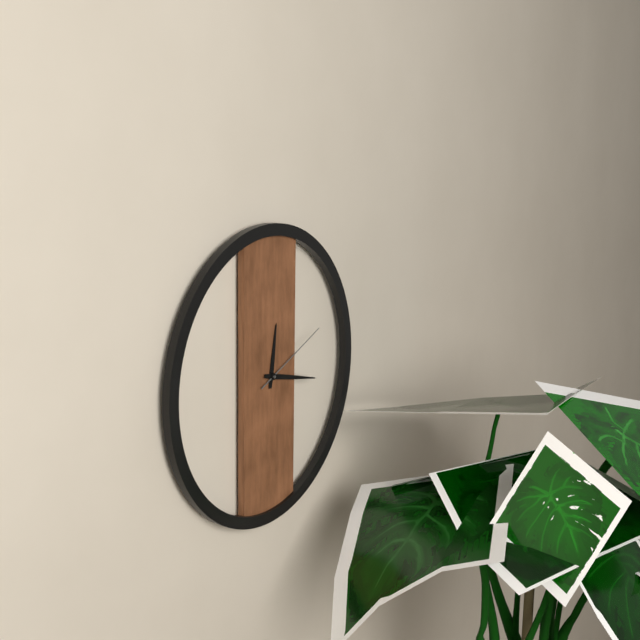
12:17:11
